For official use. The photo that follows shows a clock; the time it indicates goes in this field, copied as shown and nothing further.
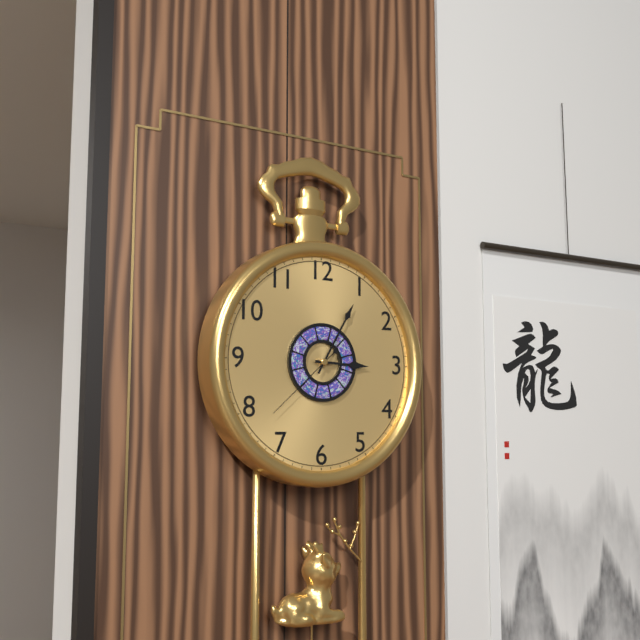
3:05:38
